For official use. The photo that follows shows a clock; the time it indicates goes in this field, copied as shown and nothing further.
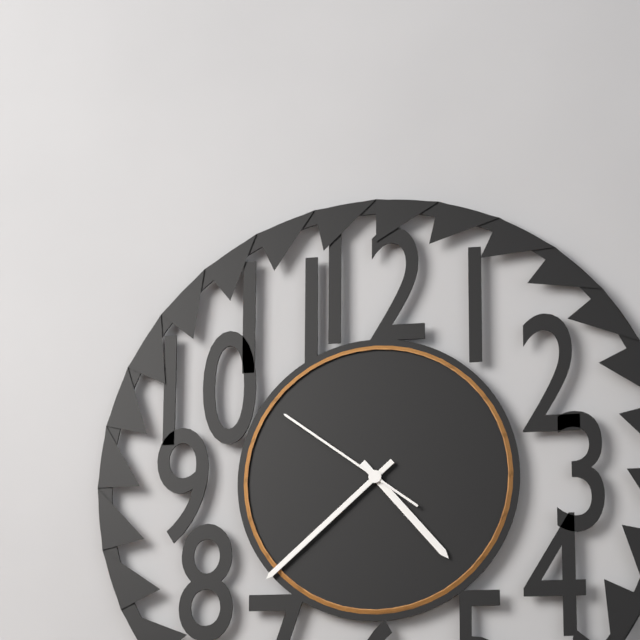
4:38:51
